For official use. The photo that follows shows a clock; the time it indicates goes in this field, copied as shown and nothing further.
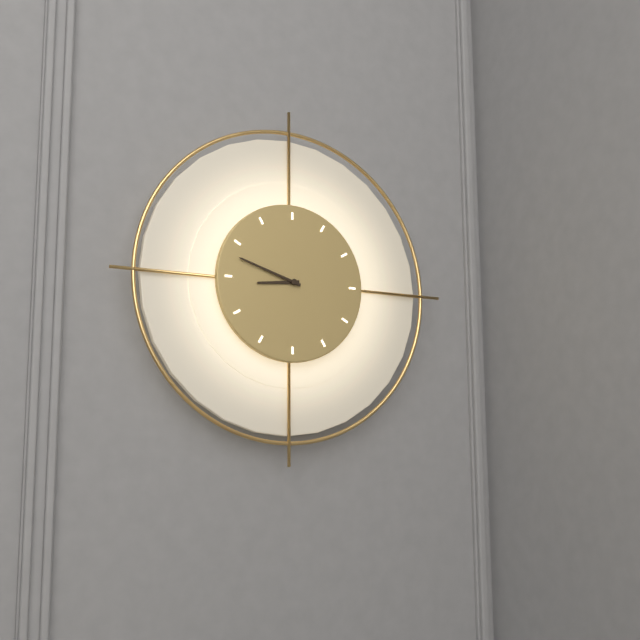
8:48
